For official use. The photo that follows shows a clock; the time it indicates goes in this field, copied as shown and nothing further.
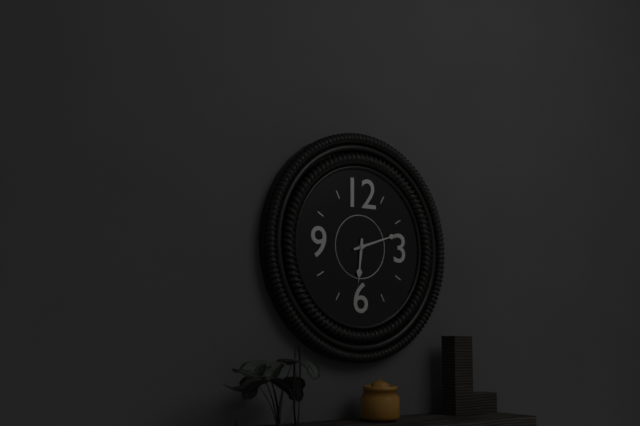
6:12
